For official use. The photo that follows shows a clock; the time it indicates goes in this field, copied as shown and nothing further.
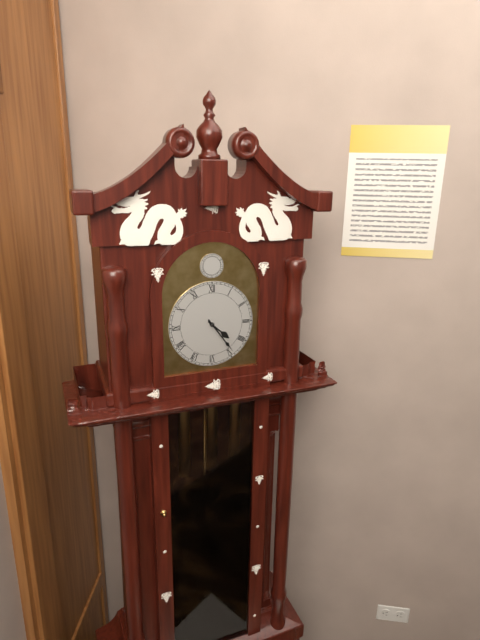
4:24
